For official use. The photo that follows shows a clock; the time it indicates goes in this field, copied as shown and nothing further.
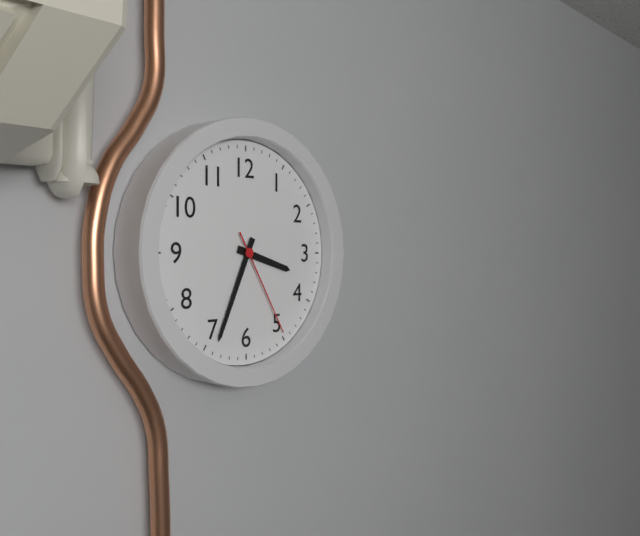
3:34:25
